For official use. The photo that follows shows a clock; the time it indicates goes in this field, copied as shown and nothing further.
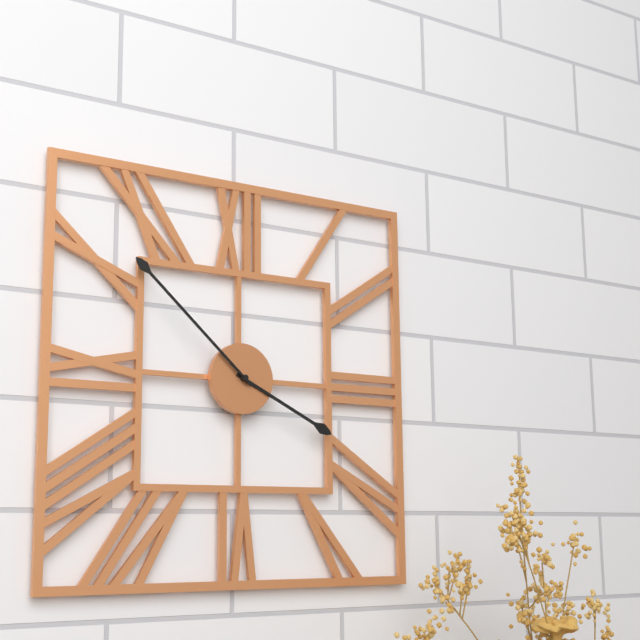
3:52
